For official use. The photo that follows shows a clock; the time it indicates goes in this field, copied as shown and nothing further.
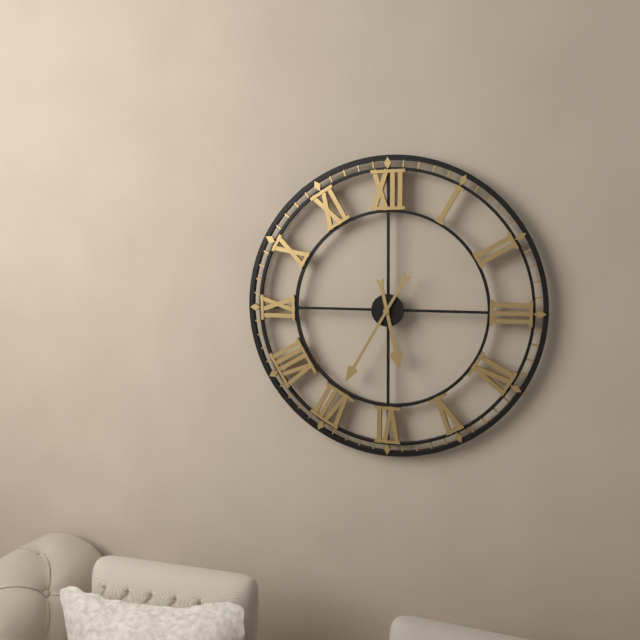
5:35
